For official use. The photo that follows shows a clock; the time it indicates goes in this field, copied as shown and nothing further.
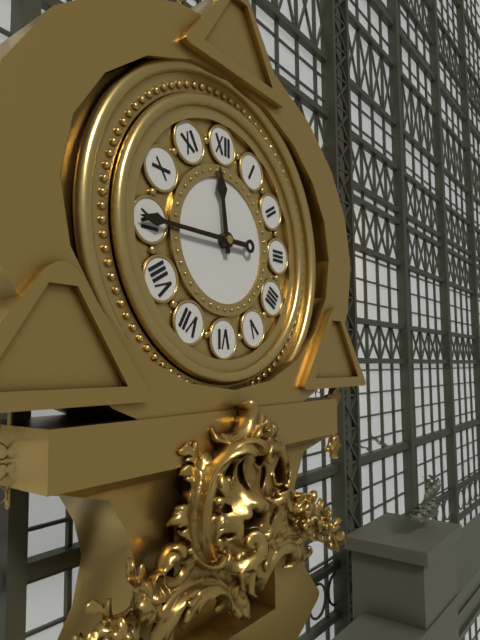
11:45
